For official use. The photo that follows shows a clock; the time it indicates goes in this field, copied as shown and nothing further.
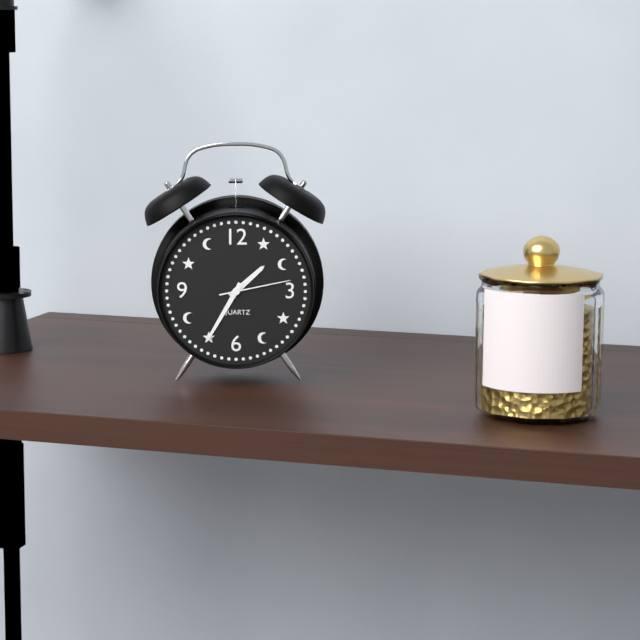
1:35:13
